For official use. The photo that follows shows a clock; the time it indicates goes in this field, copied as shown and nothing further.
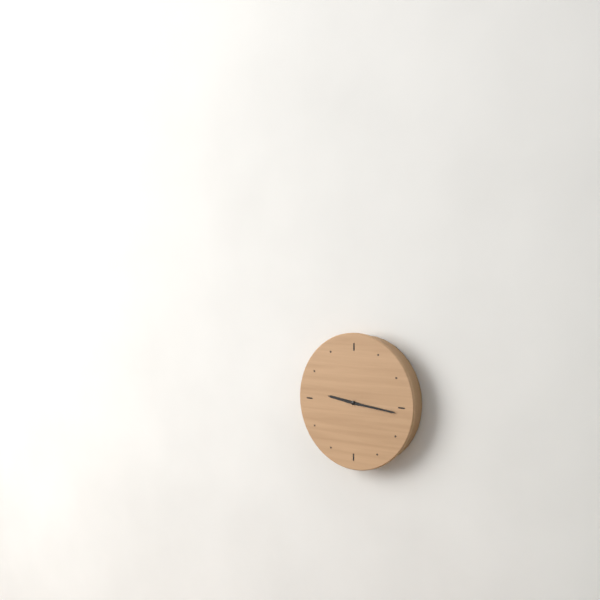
9:16
